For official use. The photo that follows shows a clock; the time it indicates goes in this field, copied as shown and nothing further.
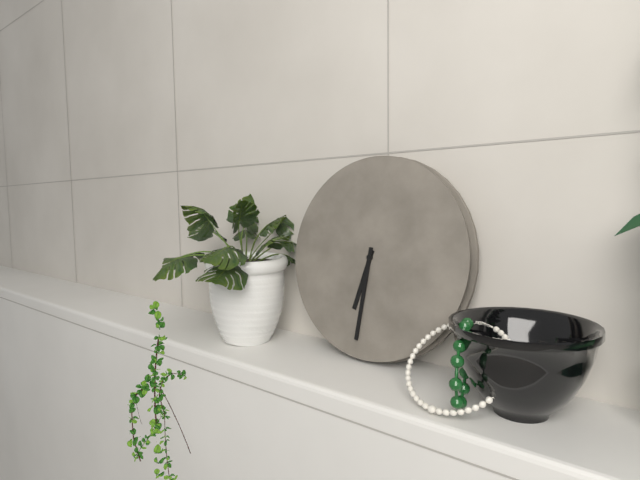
6:31
